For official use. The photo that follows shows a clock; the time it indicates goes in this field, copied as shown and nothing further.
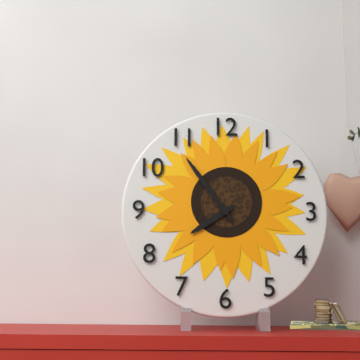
7:54
